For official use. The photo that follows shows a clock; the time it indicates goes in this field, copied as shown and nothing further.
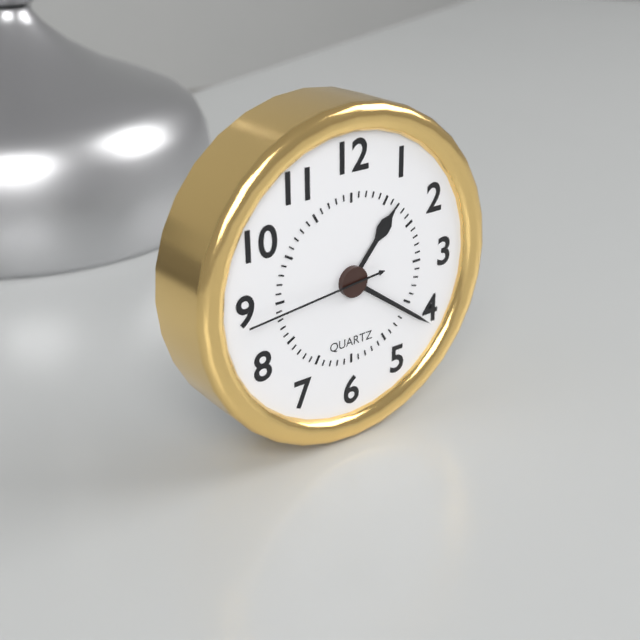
1:21:44
